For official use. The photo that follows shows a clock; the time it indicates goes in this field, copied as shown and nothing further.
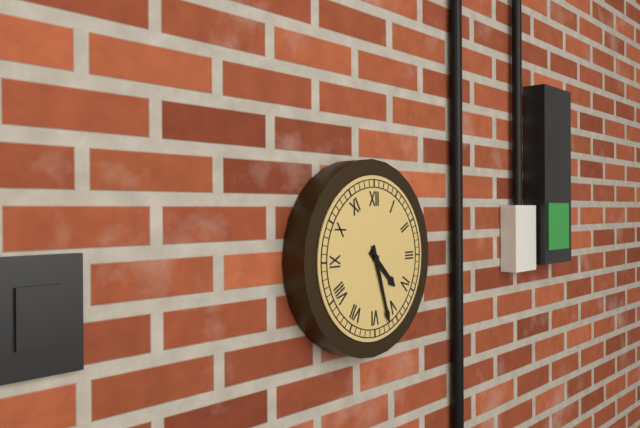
4:27
